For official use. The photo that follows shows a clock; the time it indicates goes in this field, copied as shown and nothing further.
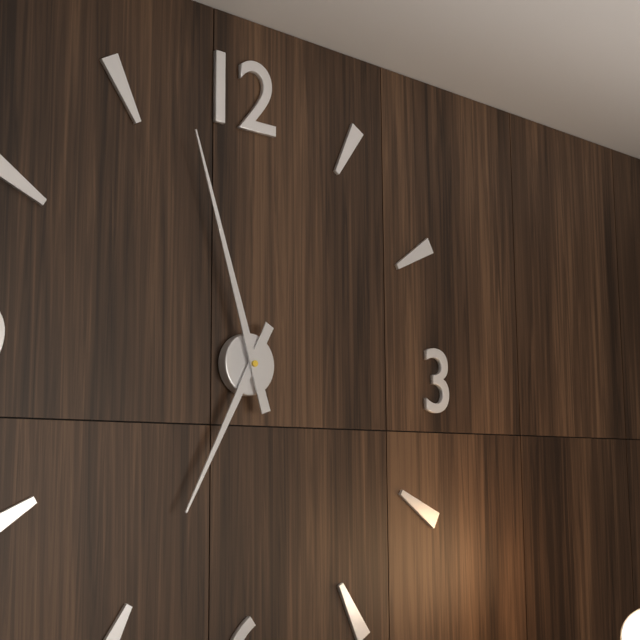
6:57
